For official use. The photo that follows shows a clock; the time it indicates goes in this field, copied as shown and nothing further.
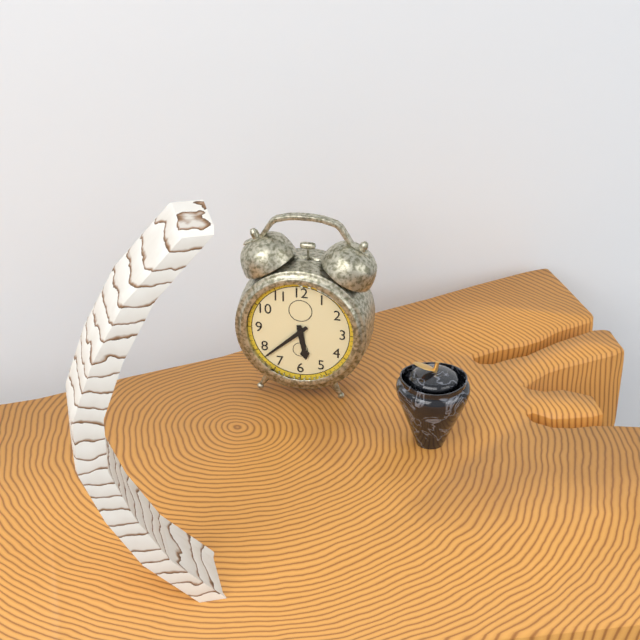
5:38
